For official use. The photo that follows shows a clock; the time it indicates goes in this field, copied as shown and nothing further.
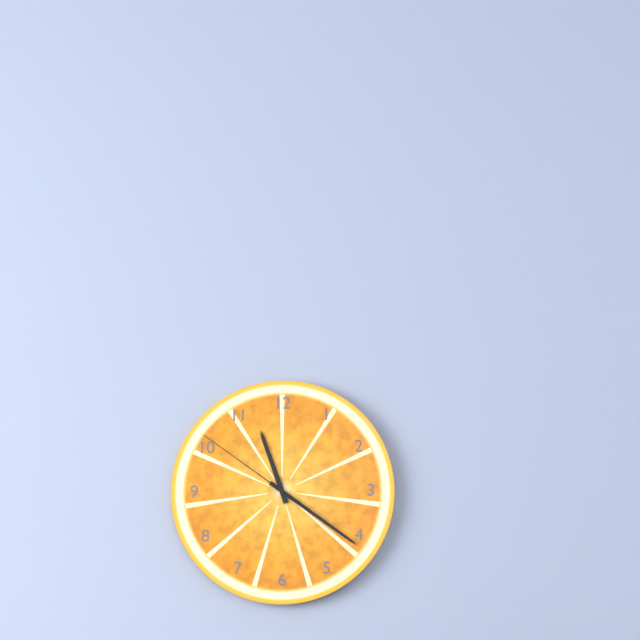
11:21:51
